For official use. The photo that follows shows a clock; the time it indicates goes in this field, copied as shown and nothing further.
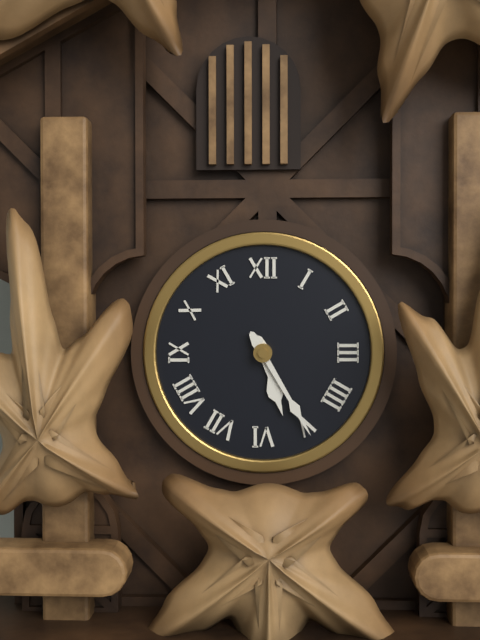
5:25
